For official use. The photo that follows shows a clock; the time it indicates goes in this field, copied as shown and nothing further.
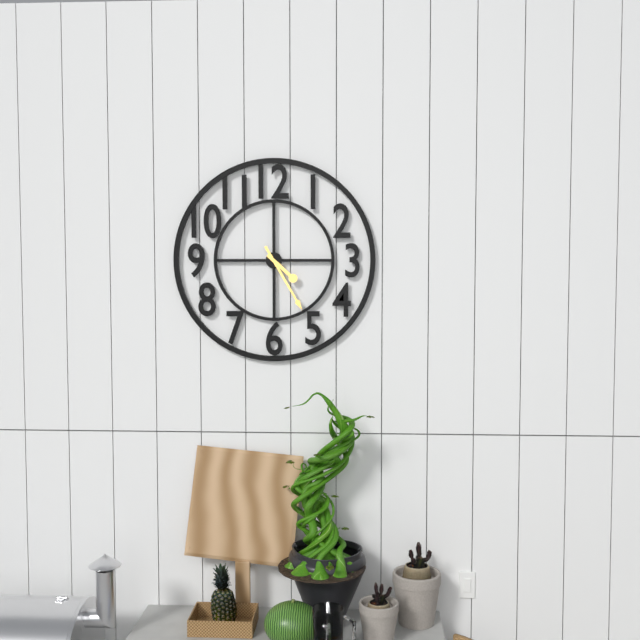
4:25
